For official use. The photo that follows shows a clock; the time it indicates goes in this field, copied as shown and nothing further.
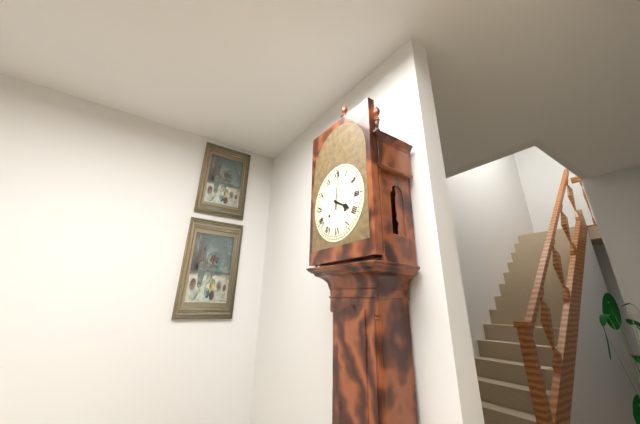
4:01
